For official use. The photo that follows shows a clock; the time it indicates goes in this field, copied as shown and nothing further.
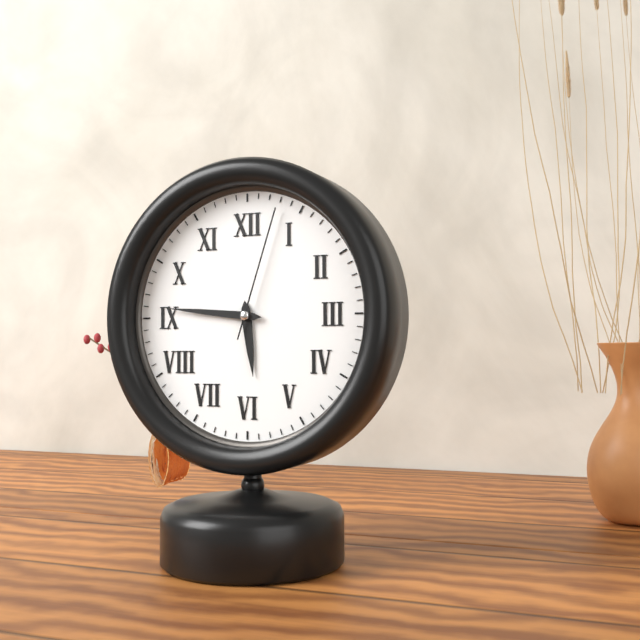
5:46:03
